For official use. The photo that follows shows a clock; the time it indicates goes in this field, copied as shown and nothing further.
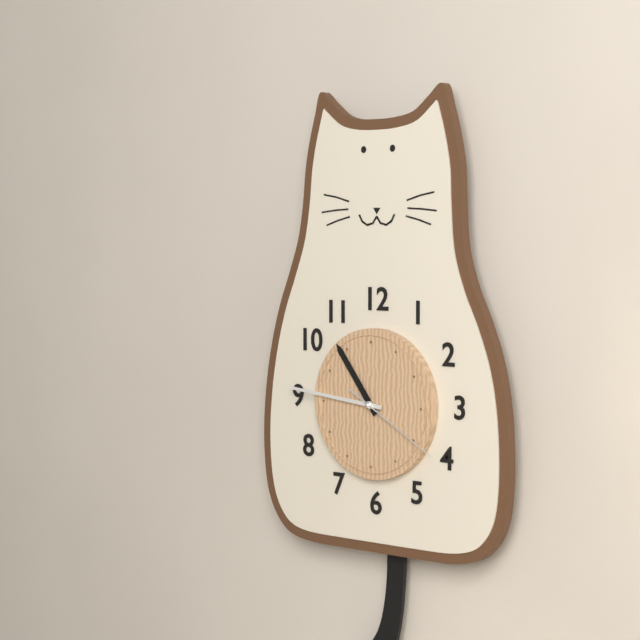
10:46:20
